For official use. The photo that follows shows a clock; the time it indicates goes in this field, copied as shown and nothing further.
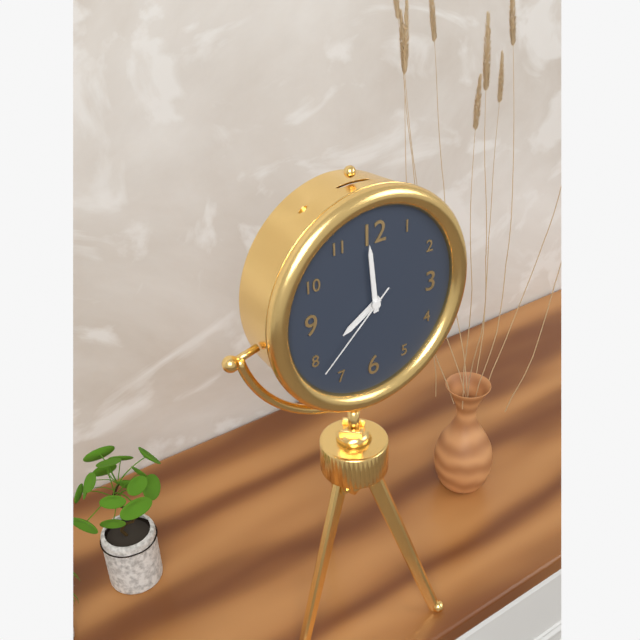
7:59:38
